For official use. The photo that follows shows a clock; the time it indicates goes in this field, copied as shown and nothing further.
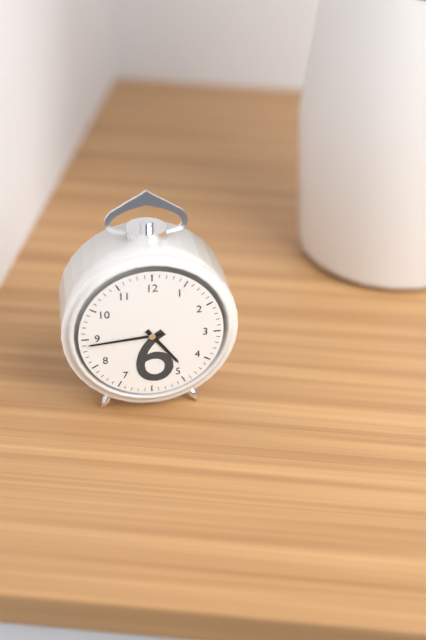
4:44
